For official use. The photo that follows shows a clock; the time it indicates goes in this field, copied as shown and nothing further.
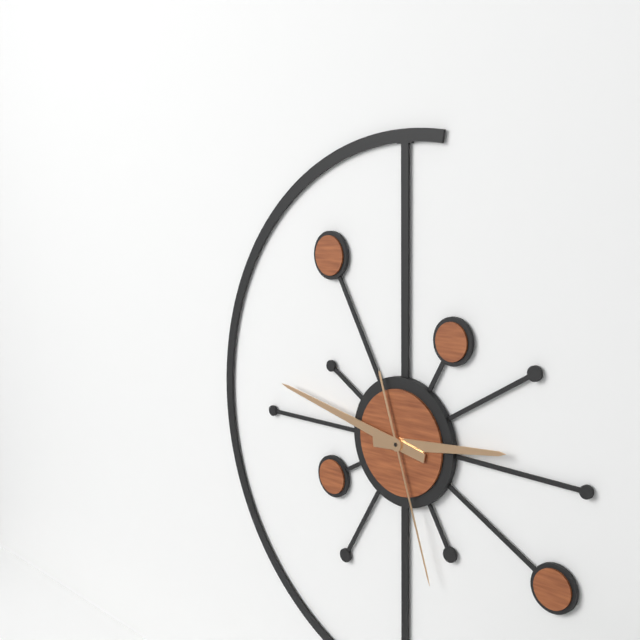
2:47:27
